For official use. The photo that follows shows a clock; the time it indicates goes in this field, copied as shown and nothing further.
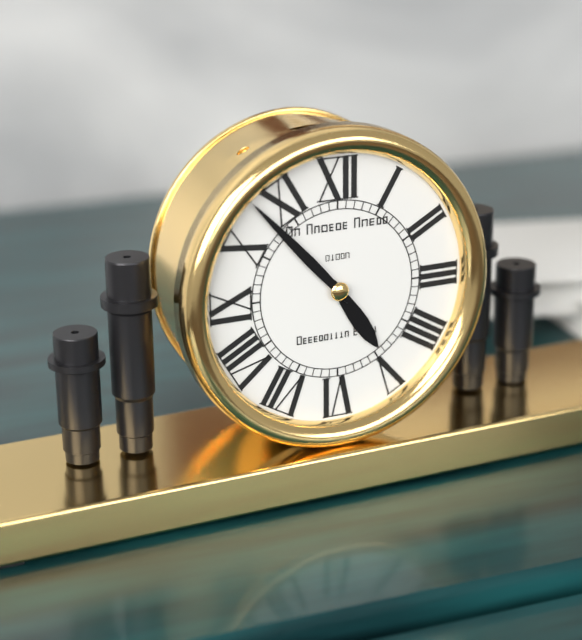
4:53
